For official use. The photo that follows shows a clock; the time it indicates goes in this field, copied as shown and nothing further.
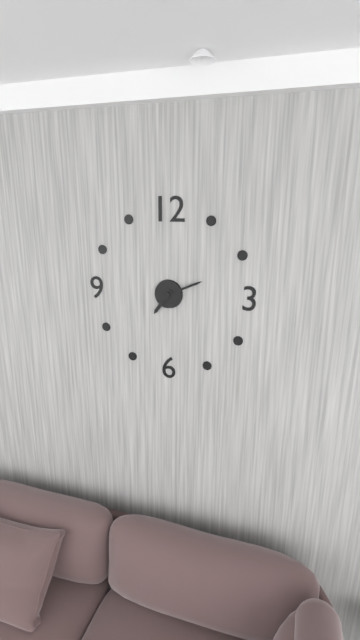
7:11
